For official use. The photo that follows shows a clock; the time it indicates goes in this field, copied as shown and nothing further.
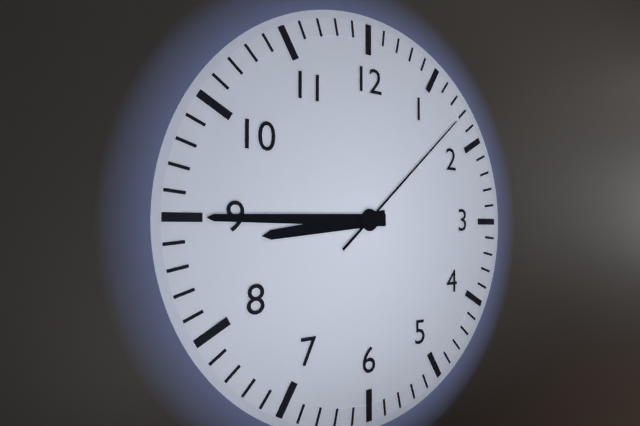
8:45:08
